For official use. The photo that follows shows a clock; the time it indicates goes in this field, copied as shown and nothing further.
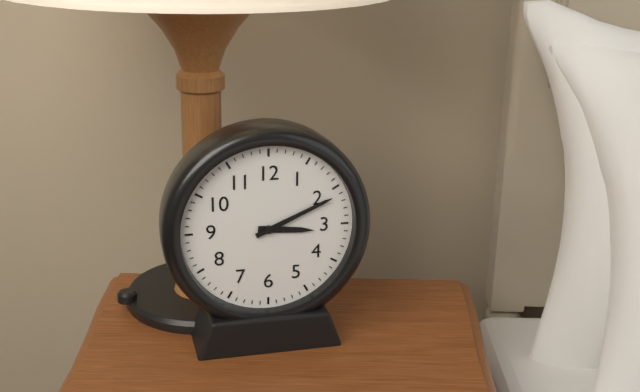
3:11
